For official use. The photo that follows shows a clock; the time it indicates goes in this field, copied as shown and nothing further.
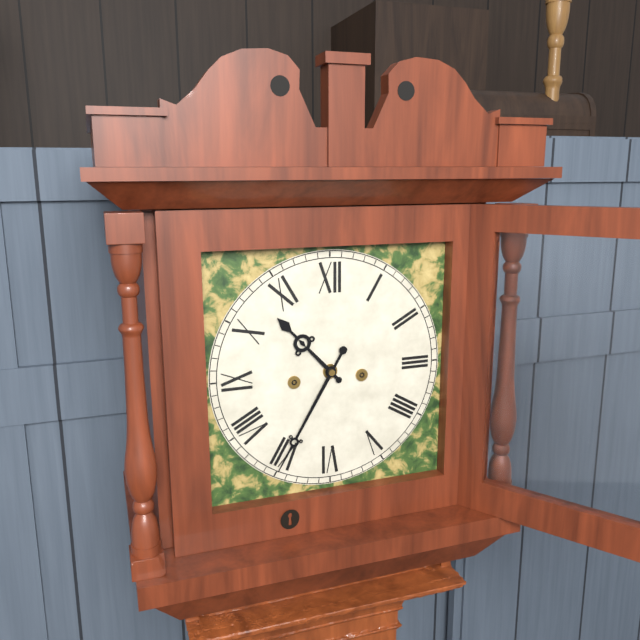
10:35
